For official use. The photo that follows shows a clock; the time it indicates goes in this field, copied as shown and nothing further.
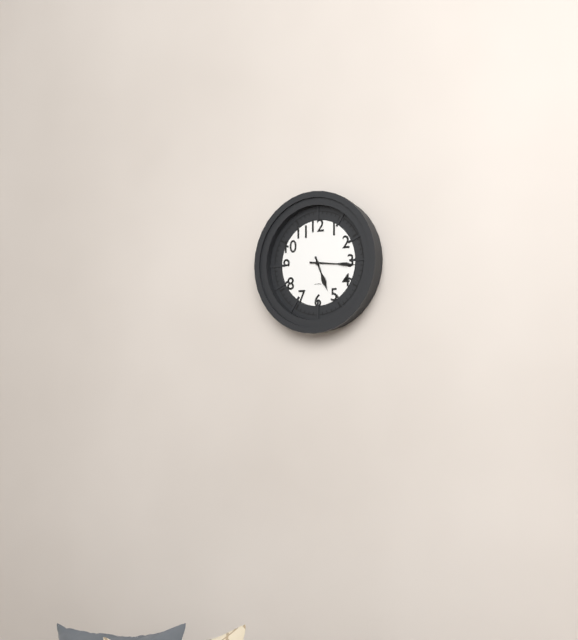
5:16
